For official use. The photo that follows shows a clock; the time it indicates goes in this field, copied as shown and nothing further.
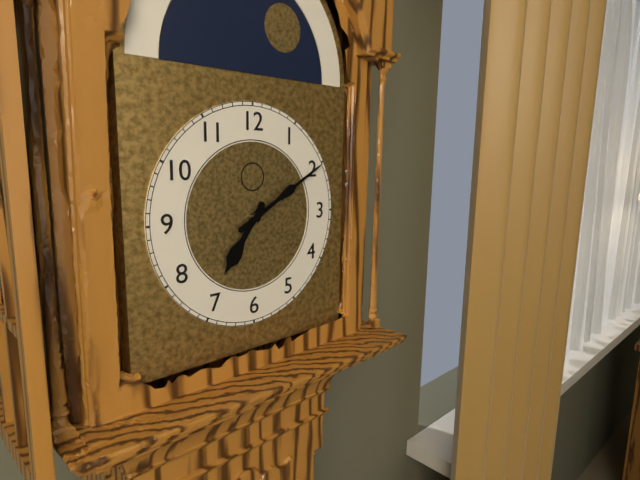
7:10
